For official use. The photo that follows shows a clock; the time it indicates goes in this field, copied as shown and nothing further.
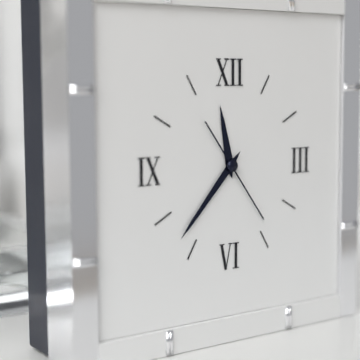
11:37:24
